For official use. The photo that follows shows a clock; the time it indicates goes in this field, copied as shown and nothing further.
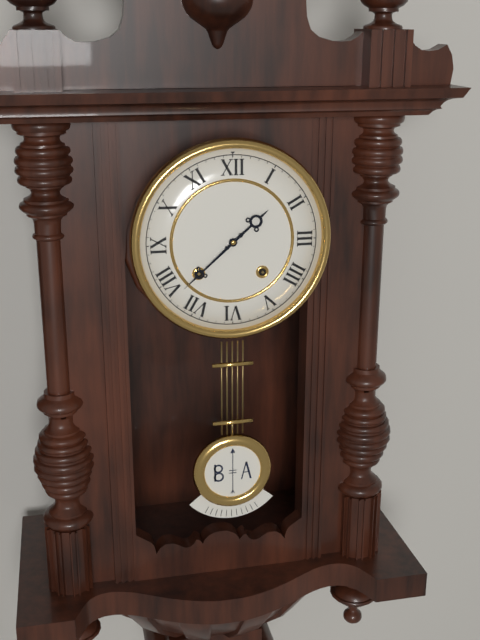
1:38
